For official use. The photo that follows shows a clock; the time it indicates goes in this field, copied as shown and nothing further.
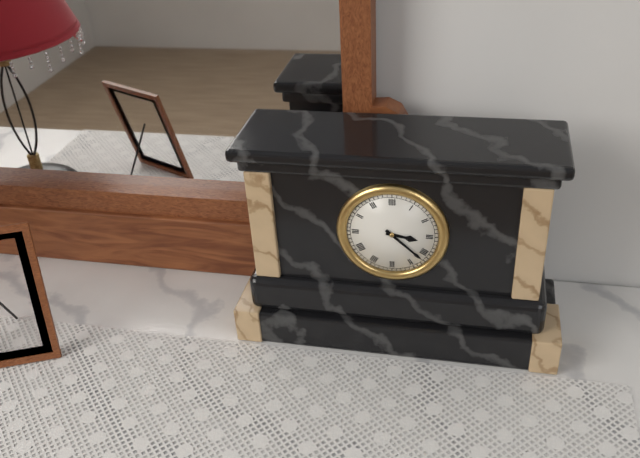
3:22
